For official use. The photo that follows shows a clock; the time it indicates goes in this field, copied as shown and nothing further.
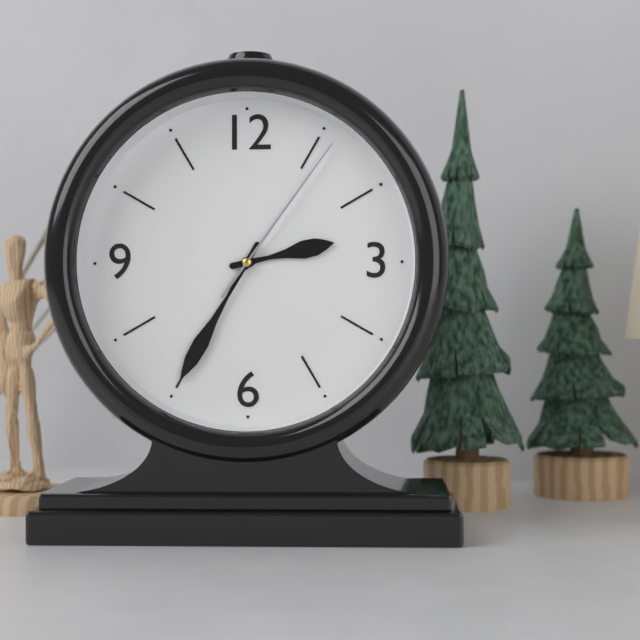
2:35:06
